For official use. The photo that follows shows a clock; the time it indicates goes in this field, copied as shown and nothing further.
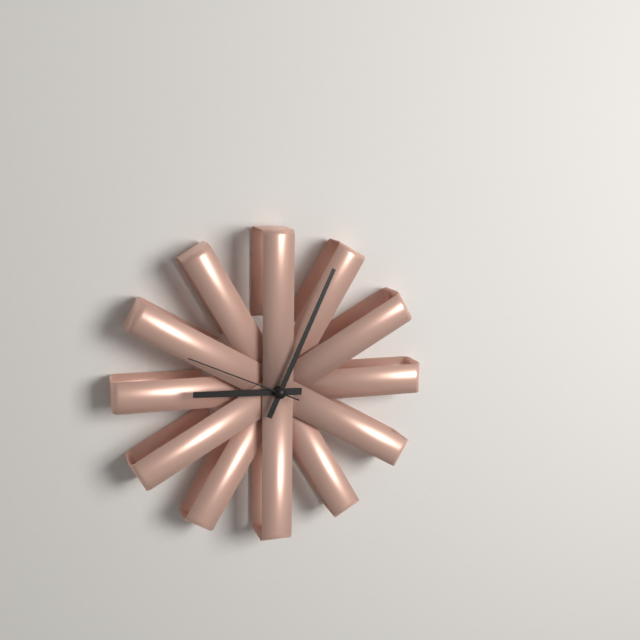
9:04:49
